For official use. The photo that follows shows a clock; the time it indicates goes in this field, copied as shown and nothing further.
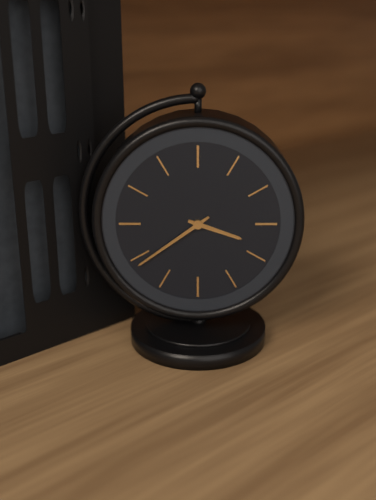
3:39
